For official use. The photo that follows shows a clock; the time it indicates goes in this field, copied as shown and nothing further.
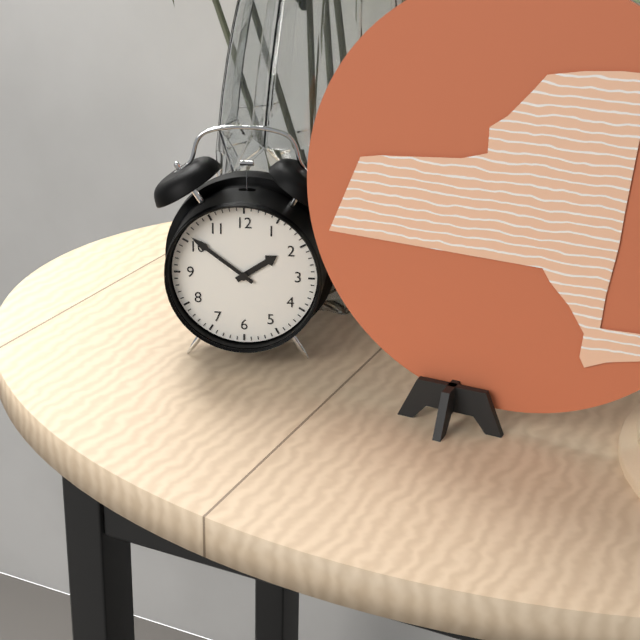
1:51
